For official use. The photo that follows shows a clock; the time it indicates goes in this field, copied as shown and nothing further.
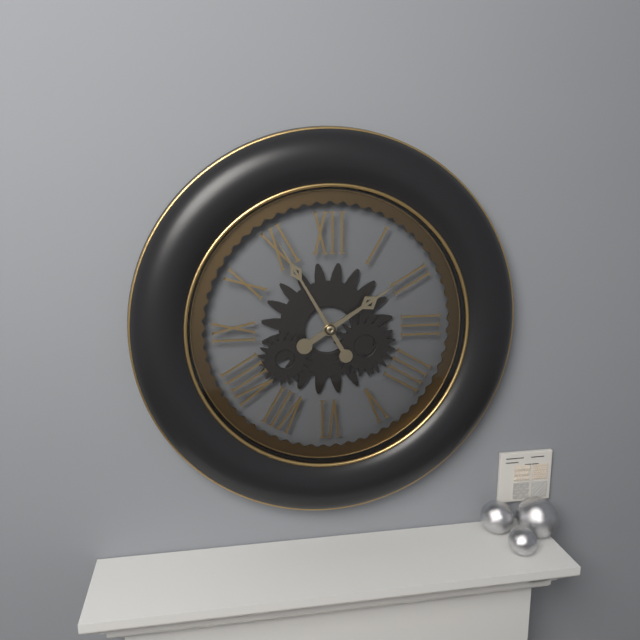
1:55
